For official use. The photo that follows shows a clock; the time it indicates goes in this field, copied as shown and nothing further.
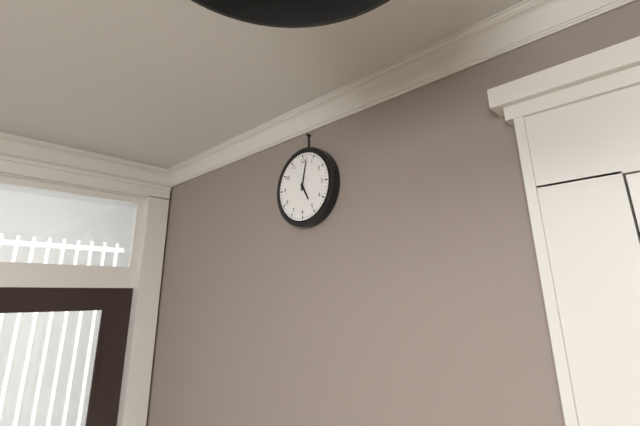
5:02
